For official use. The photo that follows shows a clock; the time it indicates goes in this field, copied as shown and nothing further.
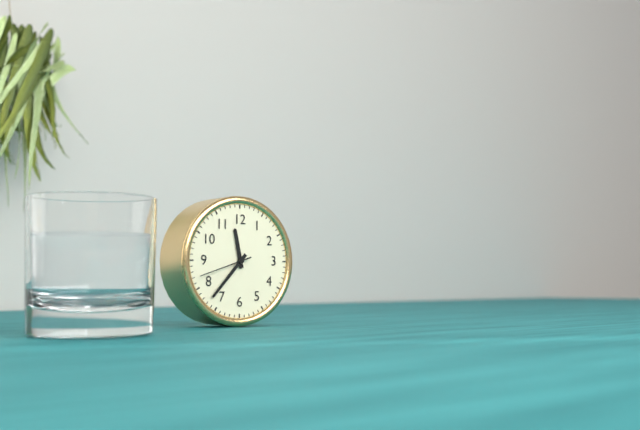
11:37
